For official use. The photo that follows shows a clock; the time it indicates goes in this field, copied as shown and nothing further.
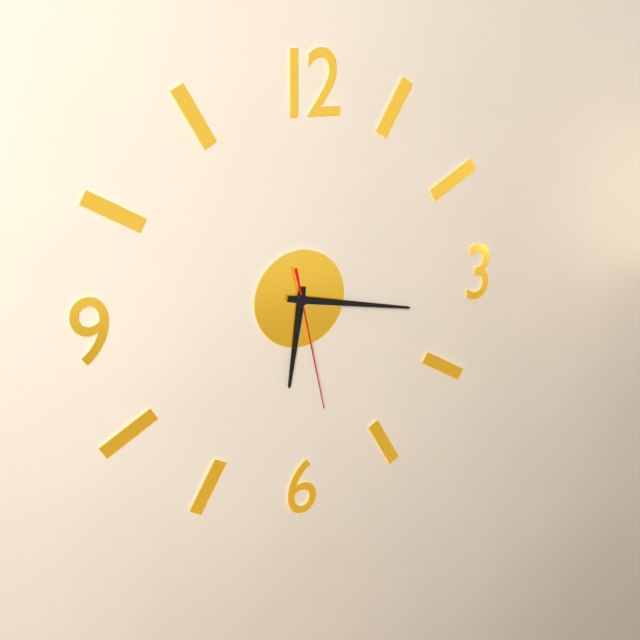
6:17:28
